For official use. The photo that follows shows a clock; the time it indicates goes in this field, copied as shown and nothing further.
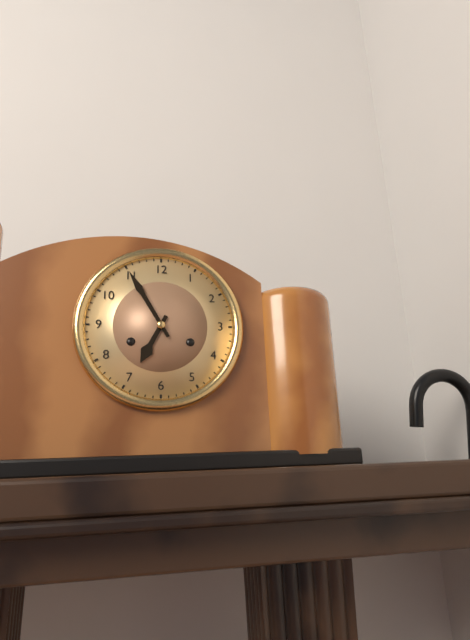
6:55
